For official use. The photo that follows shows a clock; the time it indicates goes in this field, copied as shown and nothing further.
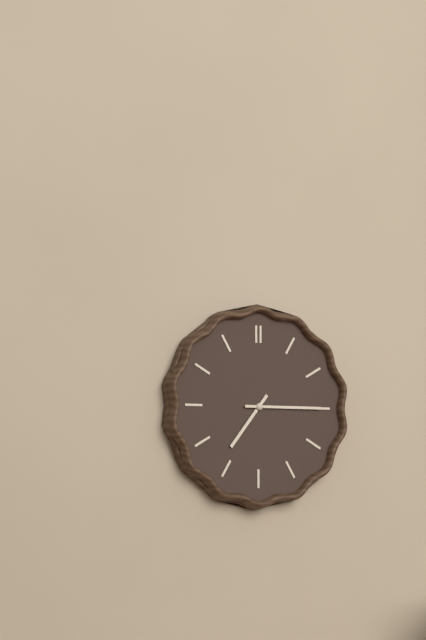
7:15
